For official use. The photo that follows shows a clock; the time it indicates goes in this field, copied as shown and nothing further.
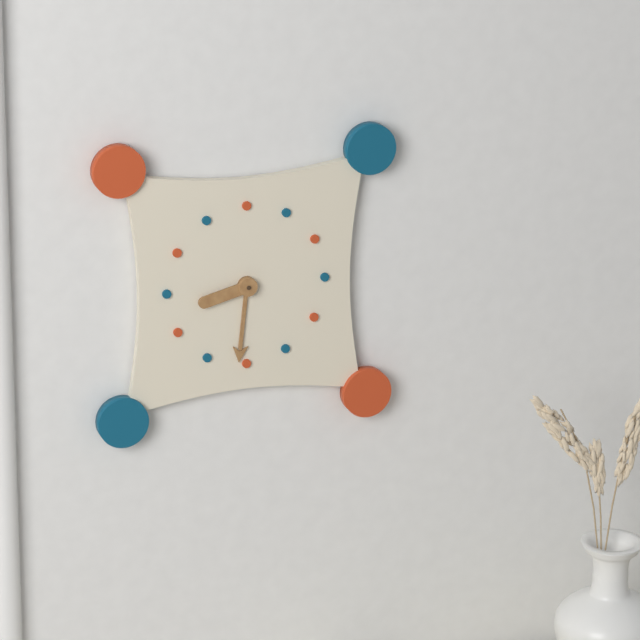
8:31
